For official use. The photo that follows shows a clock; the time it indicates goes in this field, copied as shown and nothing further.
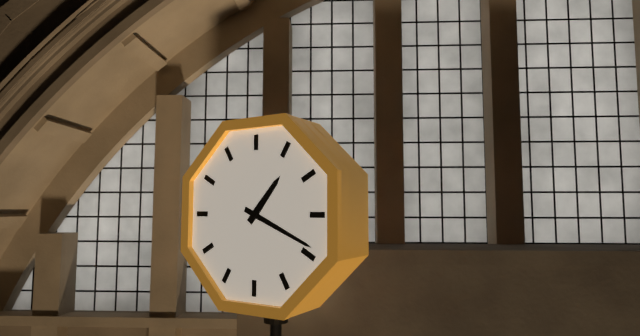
1:19
